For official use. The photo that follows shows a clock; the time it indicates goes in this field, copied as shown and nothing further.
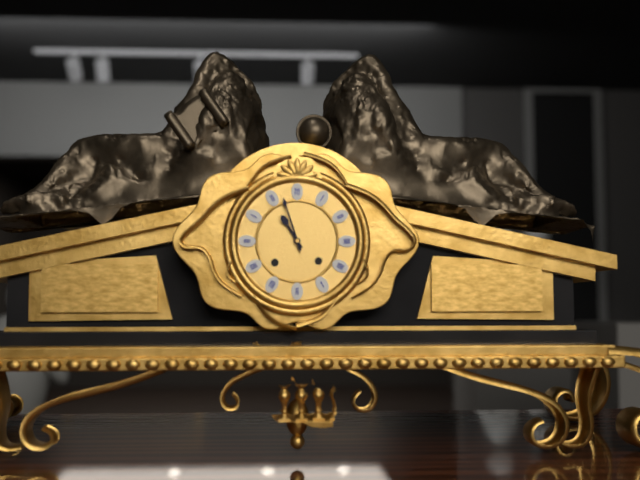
10:57
